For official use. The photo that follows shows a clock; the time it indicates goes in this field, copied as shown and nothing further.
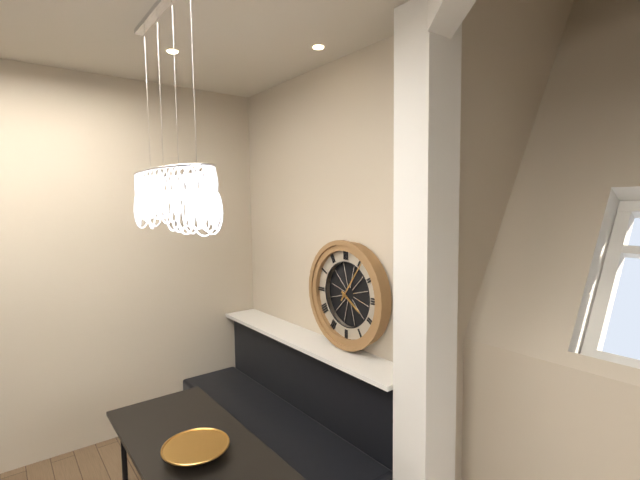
4:06
